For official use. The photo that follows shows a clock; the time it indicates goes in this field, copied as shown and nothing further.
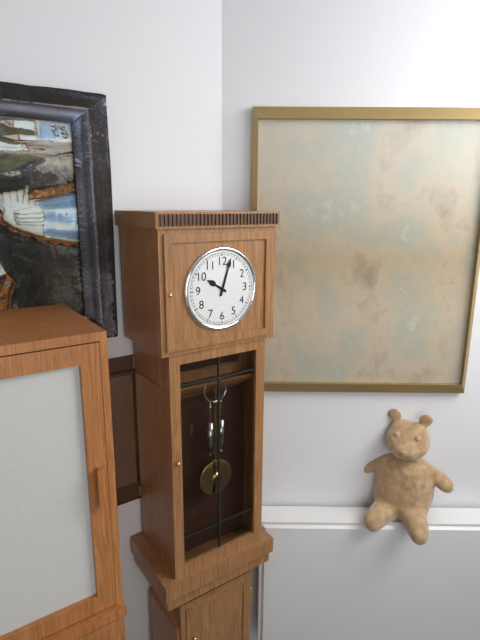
10:03
